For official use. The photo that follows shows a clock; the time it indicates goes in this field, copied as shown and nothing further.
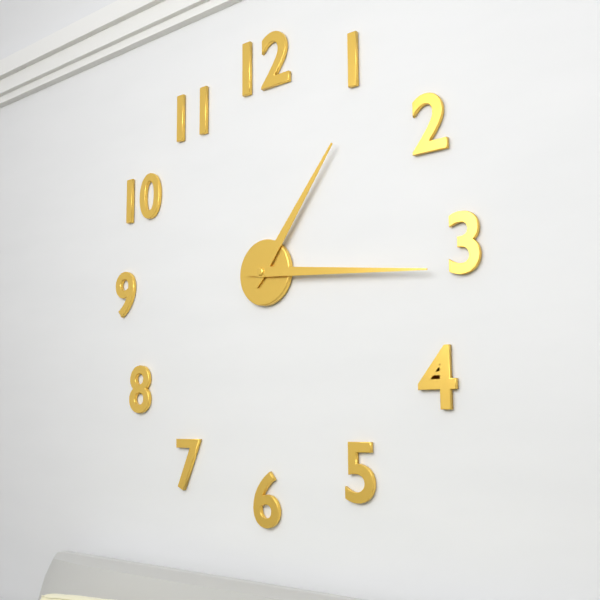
1:16
